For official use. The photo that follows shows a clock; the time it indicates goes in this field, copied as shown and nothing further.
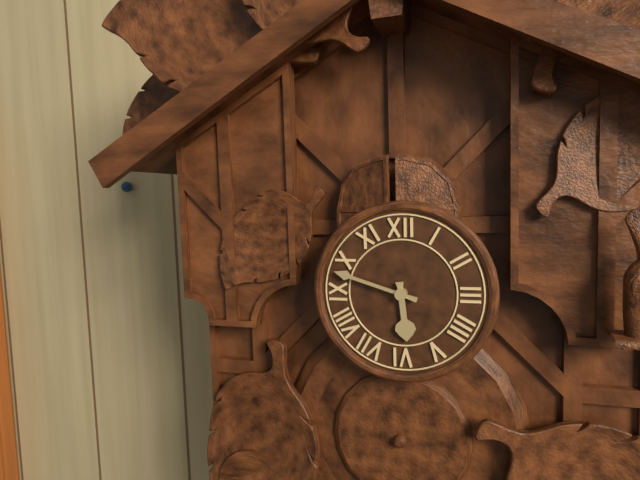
5:48
